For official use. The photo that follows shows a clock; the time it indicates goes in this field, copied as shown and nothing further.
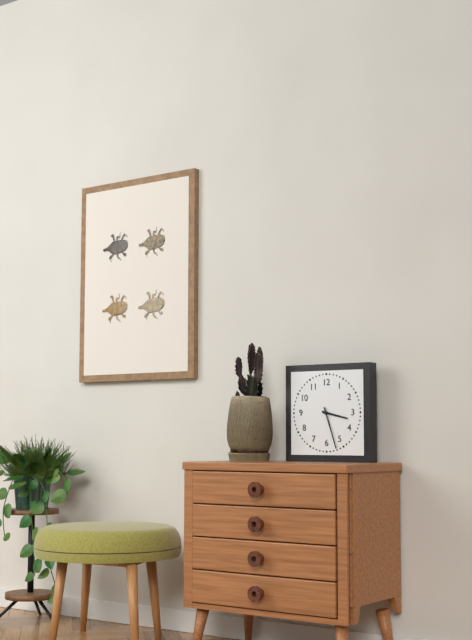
3:27
